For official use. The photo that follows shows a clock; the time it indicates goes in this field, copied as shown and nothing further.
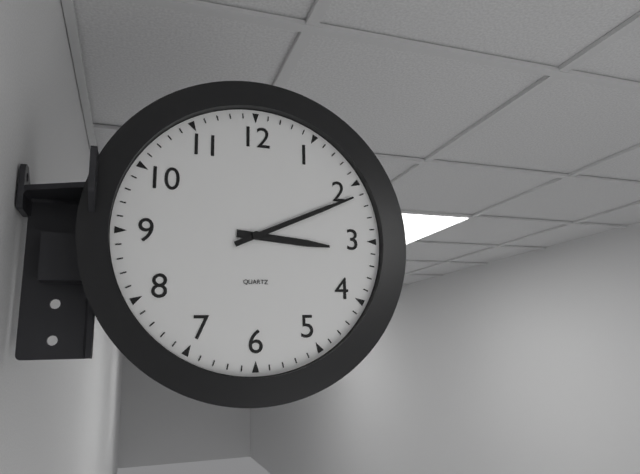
3:11
